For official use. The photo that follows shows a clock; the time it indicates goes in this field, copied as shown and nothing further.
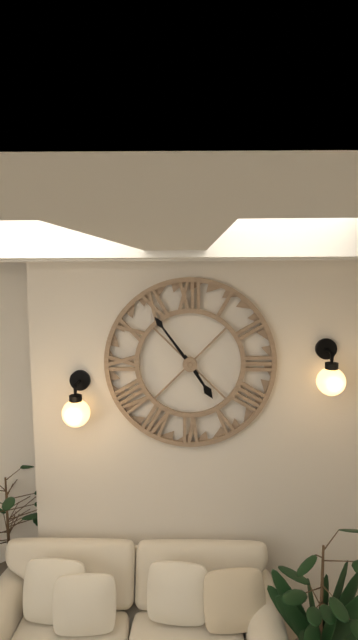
4:54
